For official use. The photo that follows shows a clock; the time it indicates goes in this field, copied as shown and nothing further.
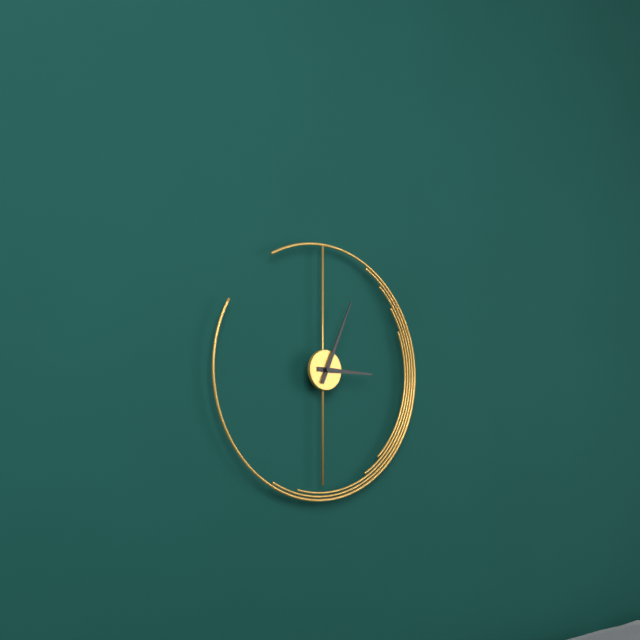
3:04
